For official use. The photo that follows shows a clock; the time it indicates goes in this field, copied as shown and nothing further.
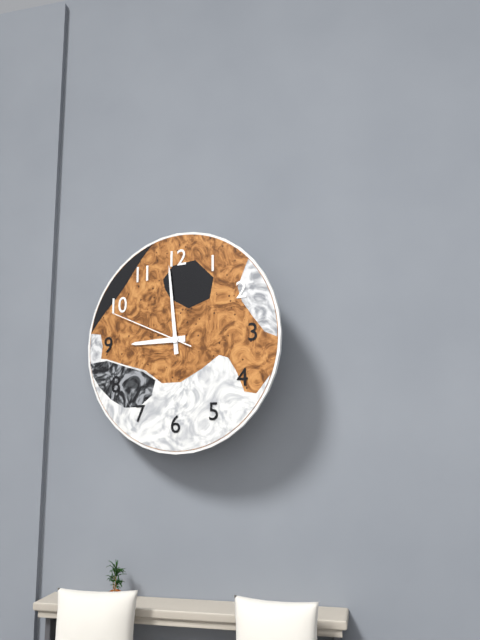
8:59:49
